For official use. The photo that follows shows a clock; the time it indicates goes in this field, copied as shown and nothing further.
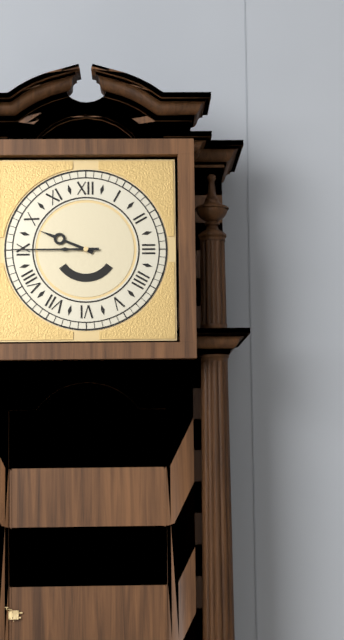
9:45
